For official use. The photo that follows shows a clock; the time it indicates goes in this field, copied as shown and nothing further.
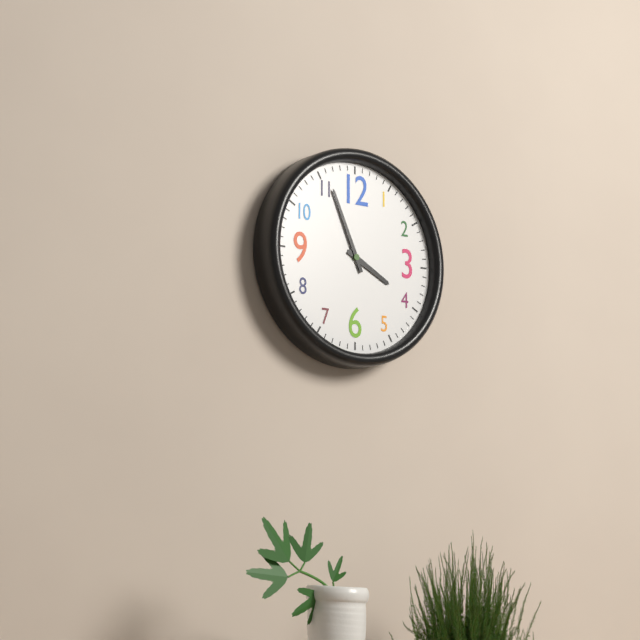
3:56
